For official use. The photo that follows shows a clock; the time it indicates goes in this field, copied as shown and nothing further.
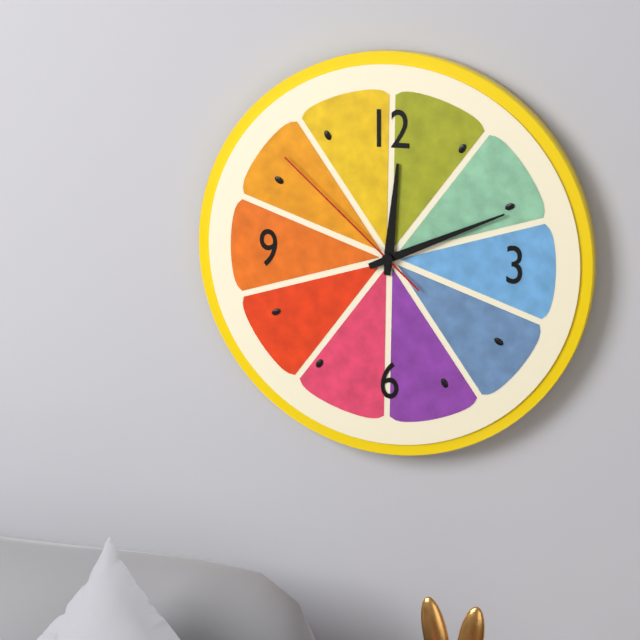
12:11:52
